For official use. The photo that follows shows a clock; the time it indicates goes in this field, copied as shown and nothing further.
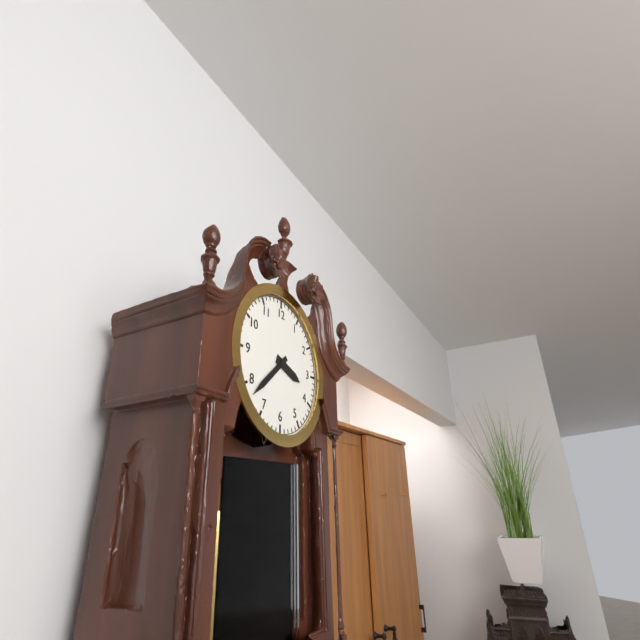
3:38
